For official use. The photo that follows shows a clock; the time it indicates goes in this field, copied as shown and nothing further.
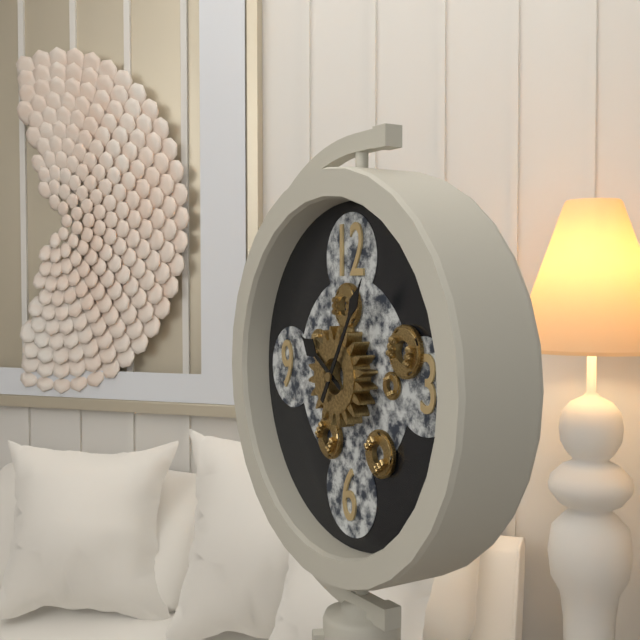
10:05
